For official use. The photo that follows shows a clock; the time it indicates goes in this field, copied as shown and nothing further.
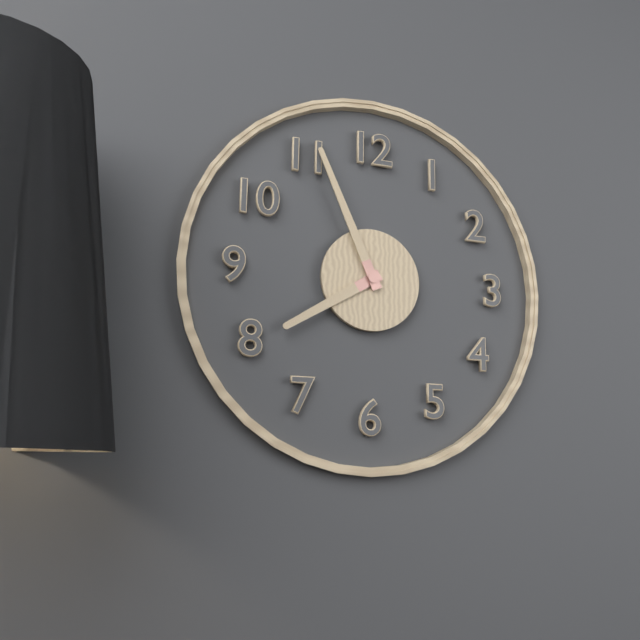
7:56
